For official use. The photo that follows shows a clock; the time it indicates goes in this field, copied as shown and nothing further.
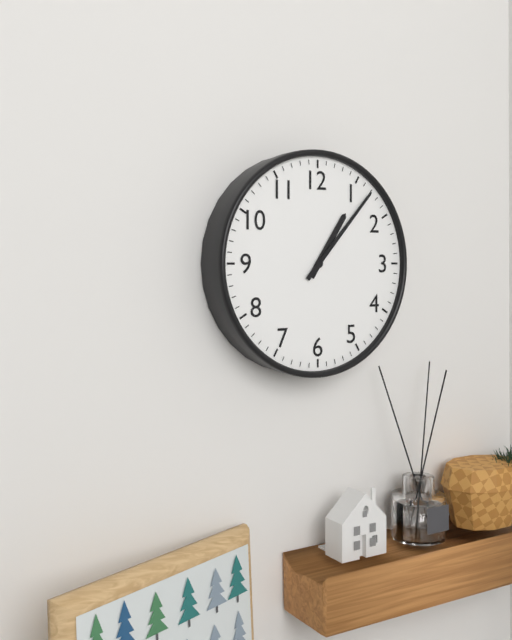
1:07
